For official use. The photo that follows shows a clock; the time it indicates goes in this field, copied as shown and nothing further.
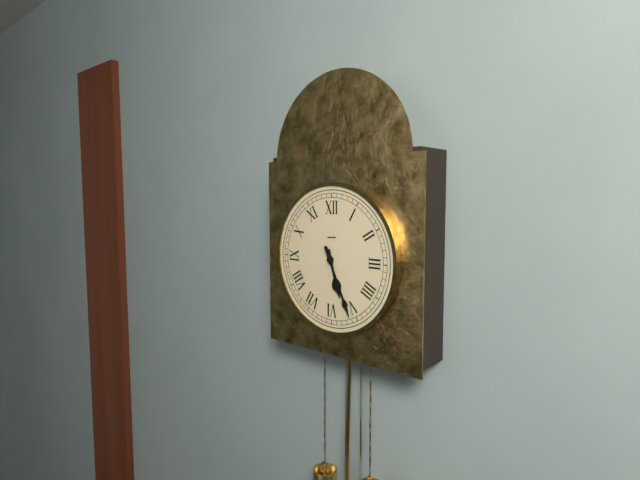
5:26
